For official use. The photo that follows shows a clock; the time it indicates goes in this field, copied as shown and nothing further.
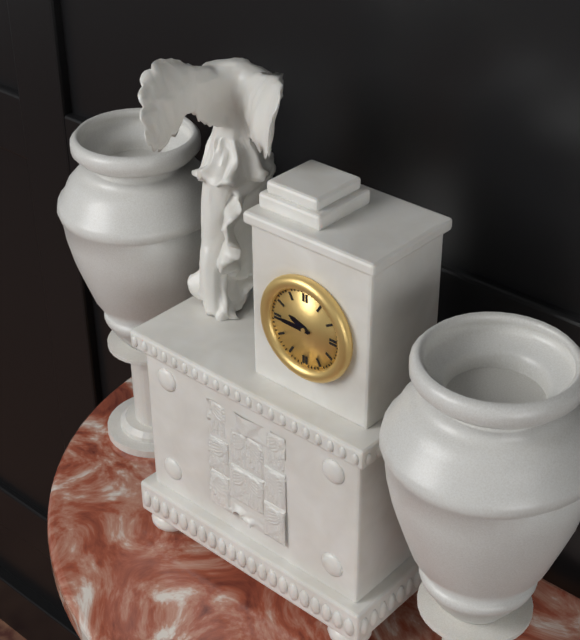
9:45
